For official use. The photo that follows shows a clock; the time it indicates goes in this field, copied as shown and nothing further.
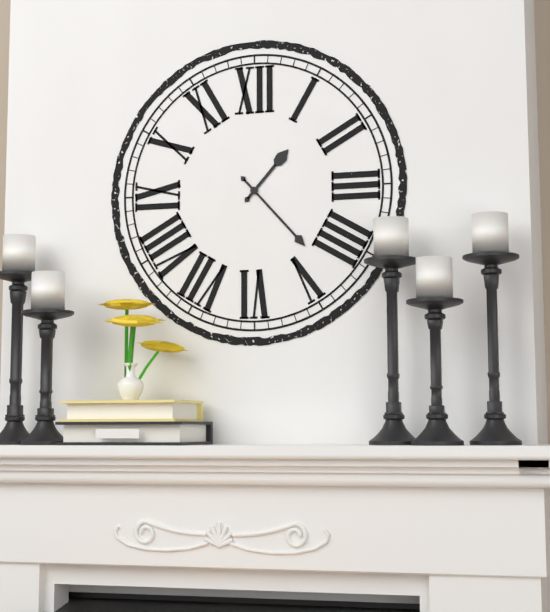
1:23
